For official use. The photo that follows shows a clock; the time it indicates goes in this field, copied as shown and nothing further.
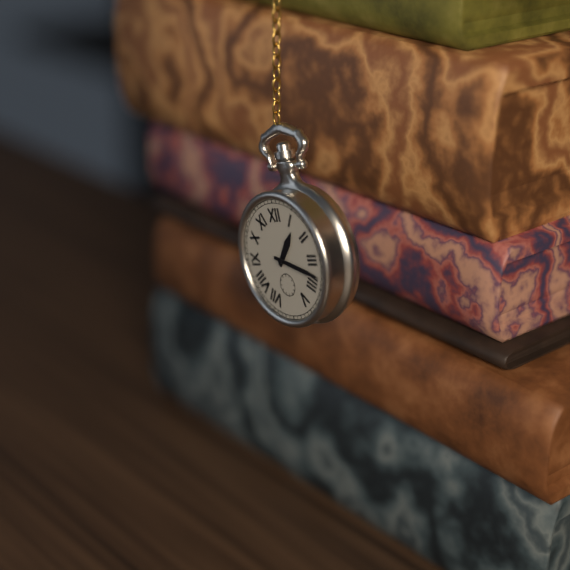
1:18
